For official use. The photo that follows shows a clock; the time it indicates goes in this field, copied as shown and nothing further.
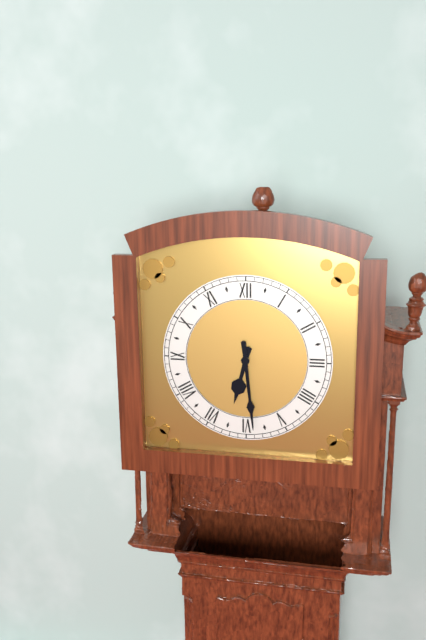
6:29
